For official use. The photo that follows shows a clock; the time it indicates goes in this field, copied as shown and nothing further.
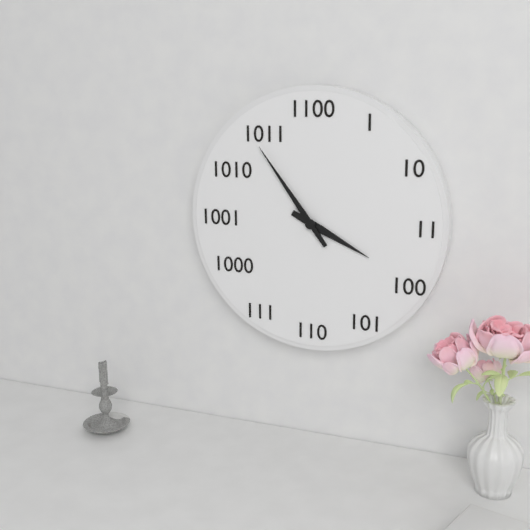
3:54
